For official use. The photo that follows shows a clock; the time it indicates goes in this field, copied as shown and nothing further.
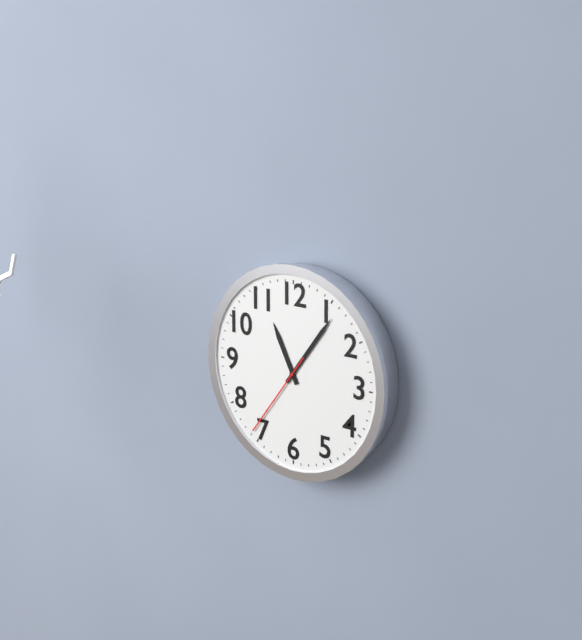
11:06:36
